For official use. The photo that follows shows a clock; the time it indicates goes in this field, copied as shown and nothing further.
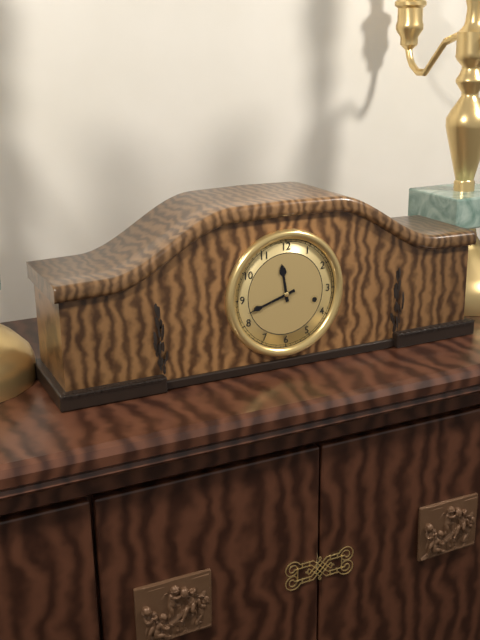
11:42
